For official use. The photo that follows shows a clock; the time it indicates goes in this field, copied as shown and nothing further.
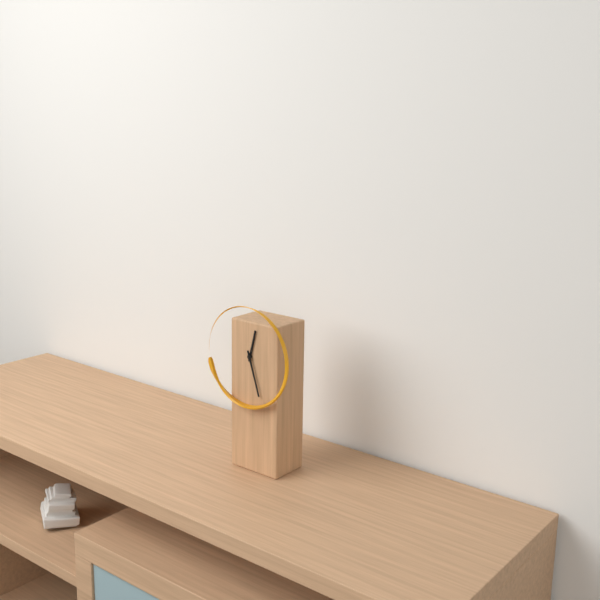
12:27
